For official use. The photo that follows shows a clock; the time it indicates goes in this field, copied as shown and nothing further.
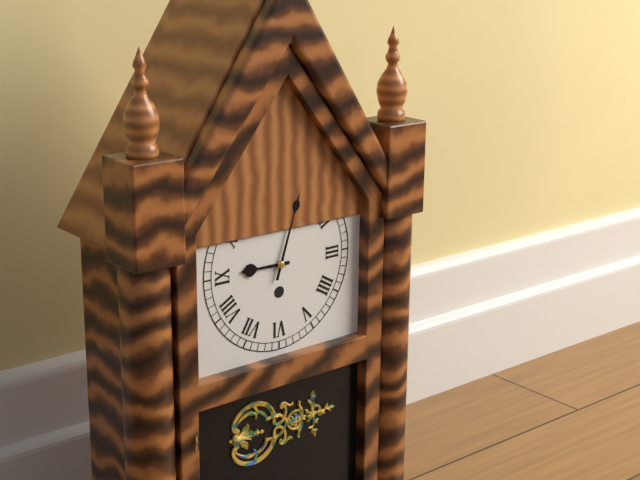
9:03
